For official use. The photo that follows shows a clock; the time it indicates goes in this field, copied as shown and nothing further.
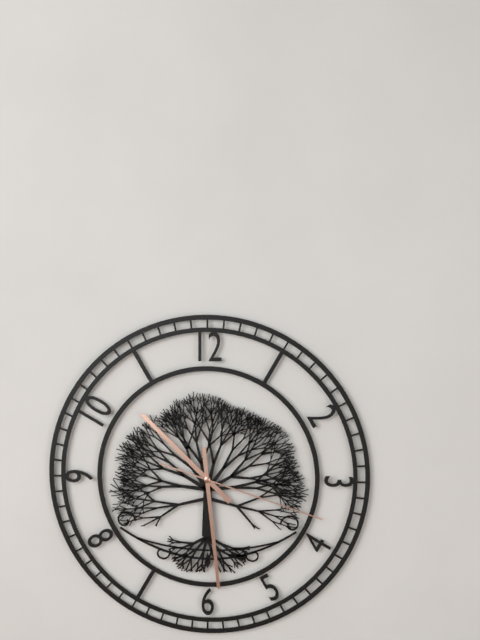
10:29:18
